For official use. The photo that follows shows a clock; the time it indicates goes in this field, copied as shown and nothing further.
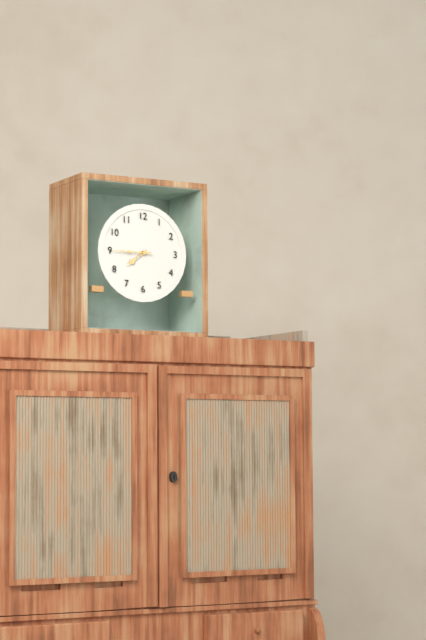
7:45
